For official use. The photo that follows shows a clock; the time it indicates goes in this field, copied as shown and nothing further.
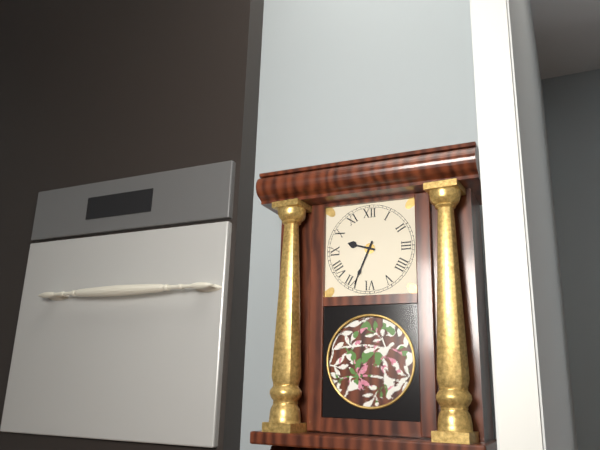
9:34
